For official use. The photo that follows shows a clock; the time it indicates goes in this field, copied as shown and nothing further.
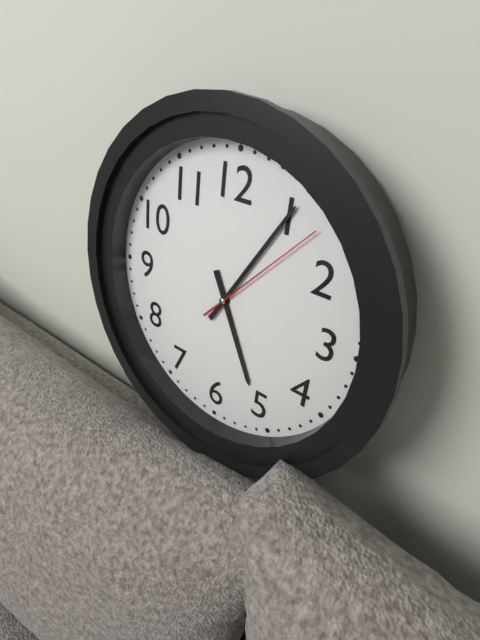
5:05:07
